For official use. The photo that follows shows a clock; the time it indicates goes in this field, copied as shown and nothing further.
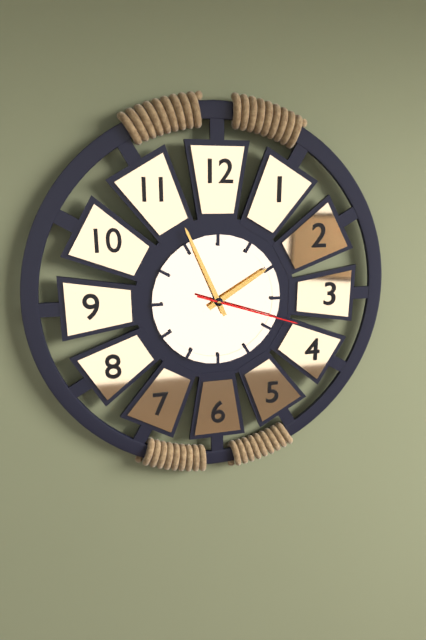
1:56:18
